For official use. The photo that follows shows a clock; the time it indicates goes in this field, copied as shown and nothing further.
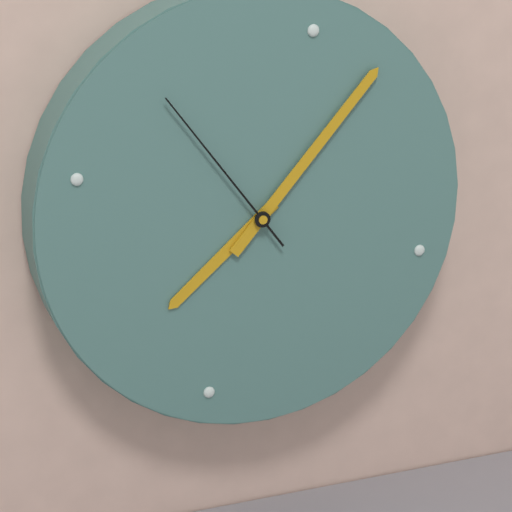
7:04:51
